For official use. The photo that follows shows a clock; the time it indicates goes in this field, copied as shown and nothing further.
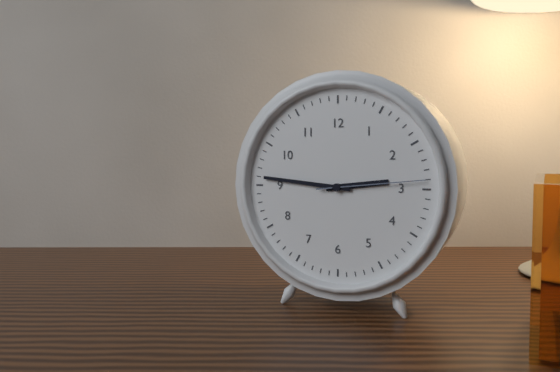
2:46:14
